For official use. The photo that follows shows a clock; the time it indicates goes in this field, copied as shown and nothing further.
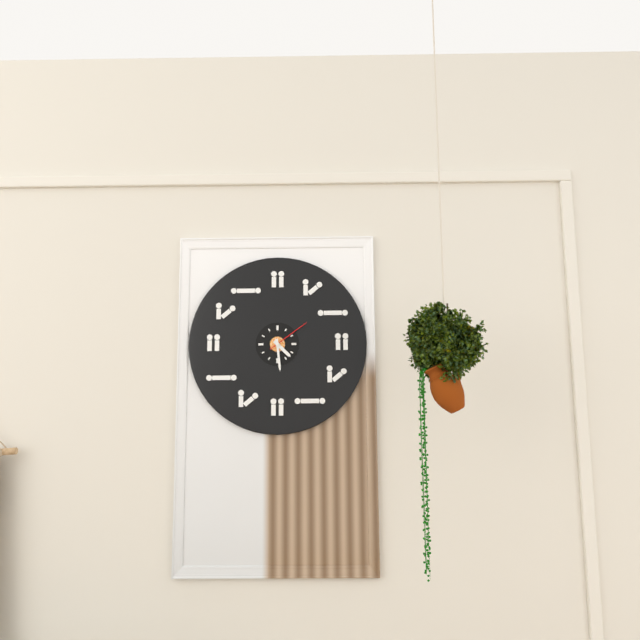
4:29
